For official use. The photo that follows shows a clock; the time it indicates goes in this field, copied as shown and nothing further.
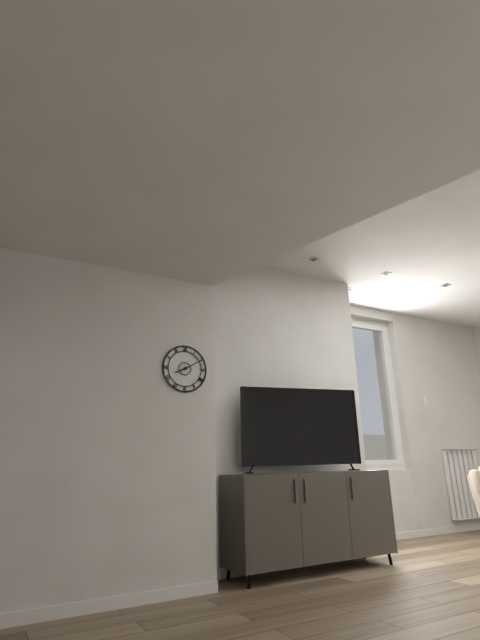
8:10
